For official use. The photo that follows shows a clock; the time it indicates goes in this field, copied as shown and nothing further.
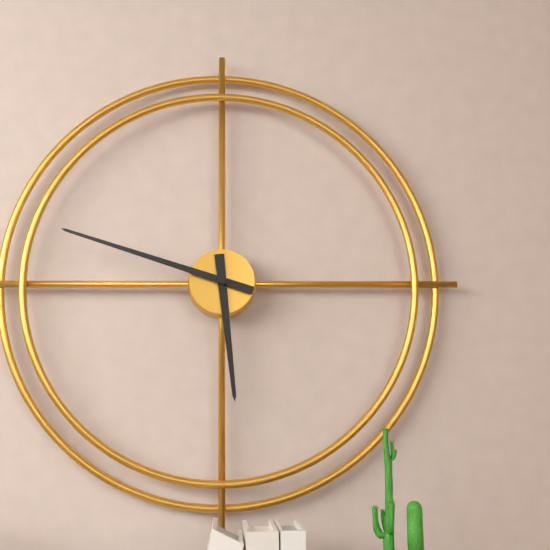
5:48
